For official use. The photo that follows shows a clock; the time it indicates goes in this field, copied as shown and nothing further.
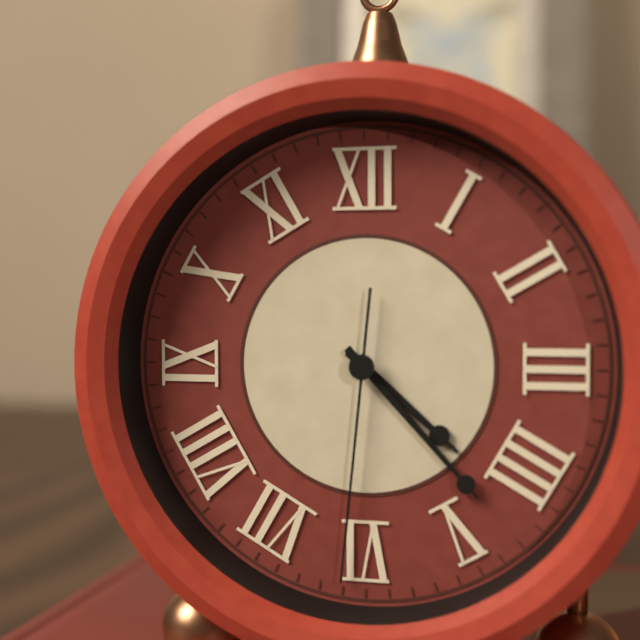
4:23:31
